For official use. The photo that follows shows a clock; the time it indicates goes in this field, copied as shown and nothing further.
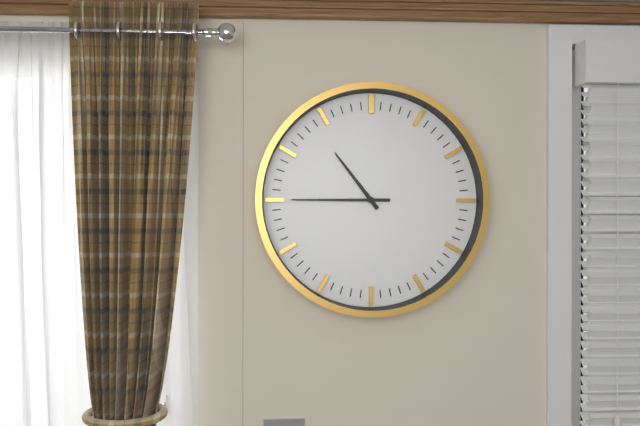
10:45
